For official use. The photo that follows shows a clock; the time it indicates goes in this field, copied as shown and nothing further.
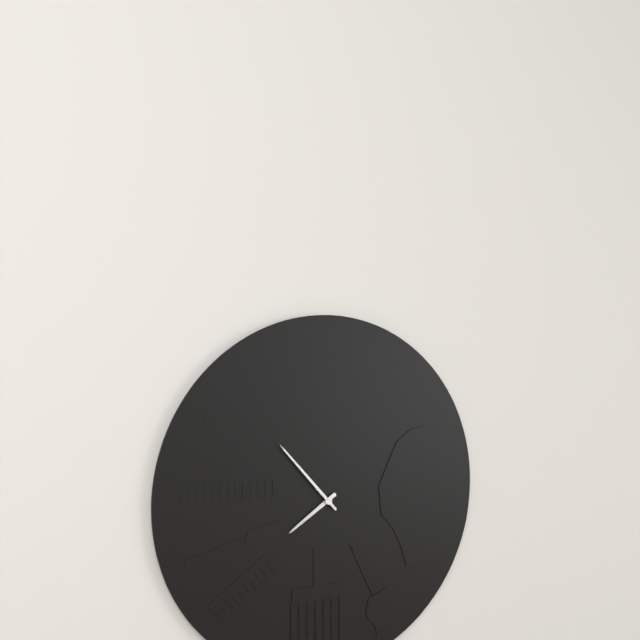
7:53
